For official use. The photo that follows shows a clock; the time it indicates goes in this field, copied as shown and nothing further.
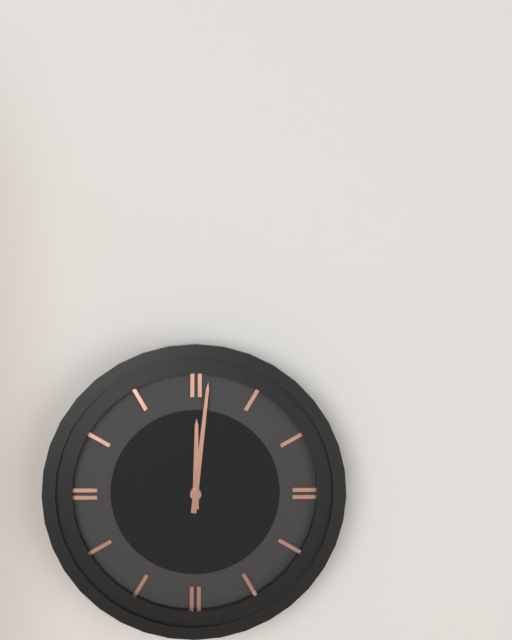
12:01
